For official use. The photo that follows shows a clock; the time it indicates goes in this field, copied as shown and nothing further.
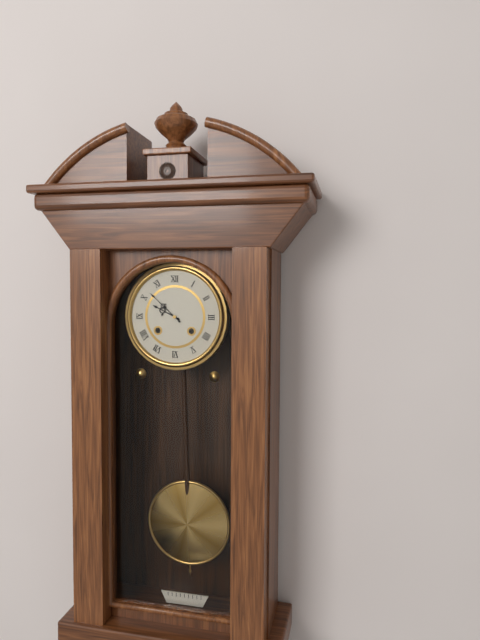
9:52
